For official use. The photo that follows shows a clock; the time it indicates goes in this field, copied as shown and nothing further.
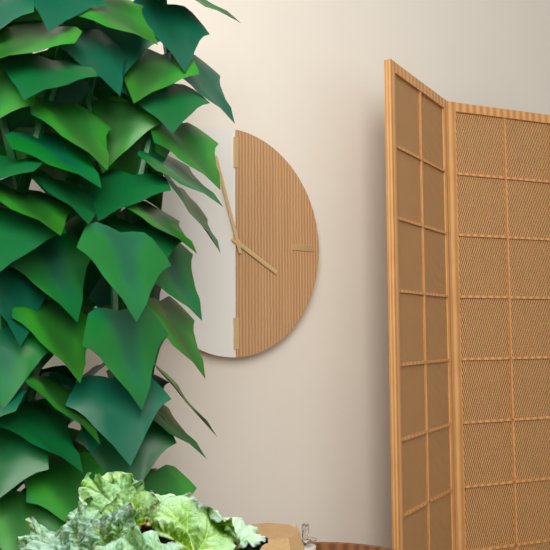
3:57
